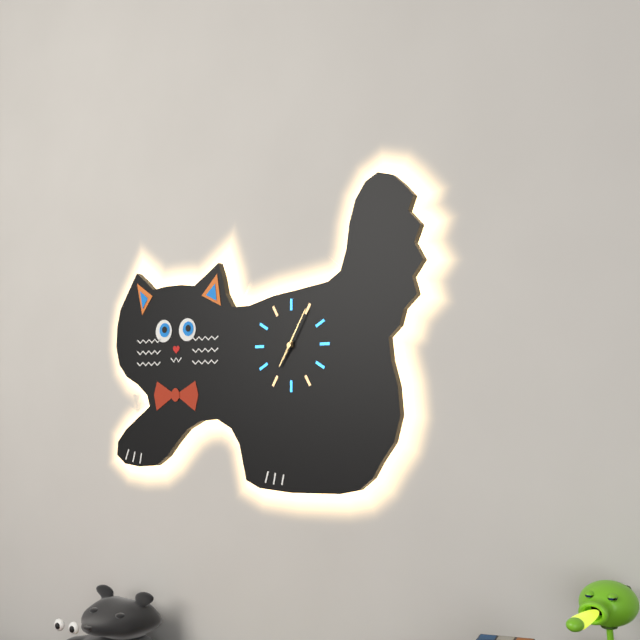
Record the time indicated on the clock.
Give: 7:05
